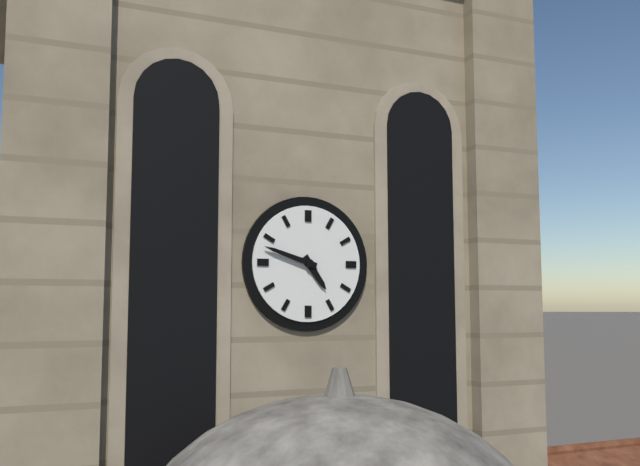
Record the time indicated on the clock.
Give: 4:48
